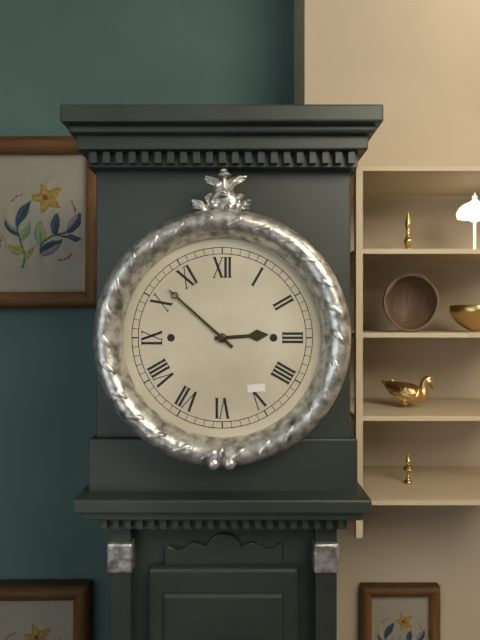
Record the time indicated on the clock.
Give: 2:52
